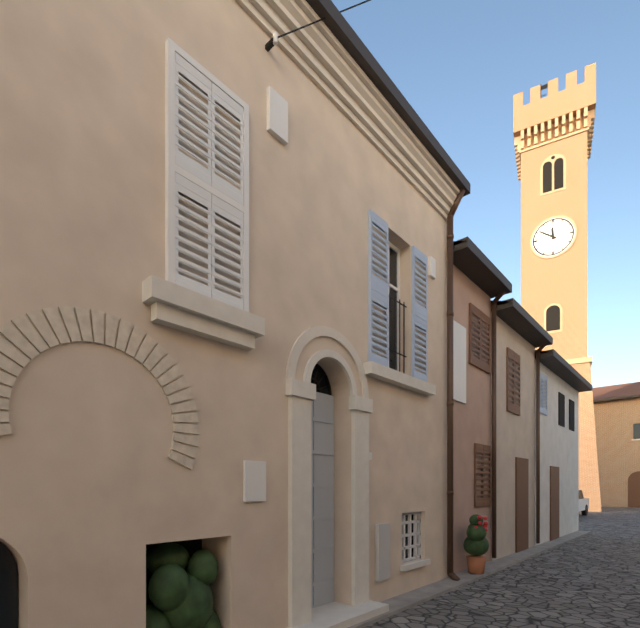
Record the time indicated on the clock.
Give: 11:51
